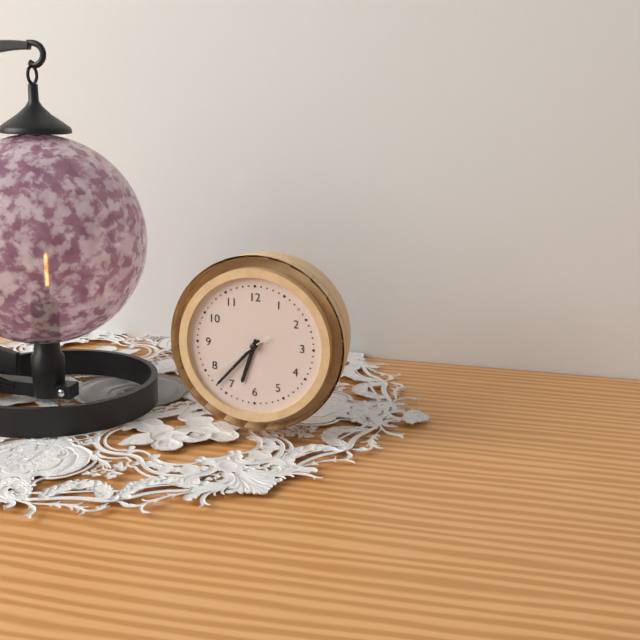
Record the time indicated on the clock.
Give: 6:37:39
